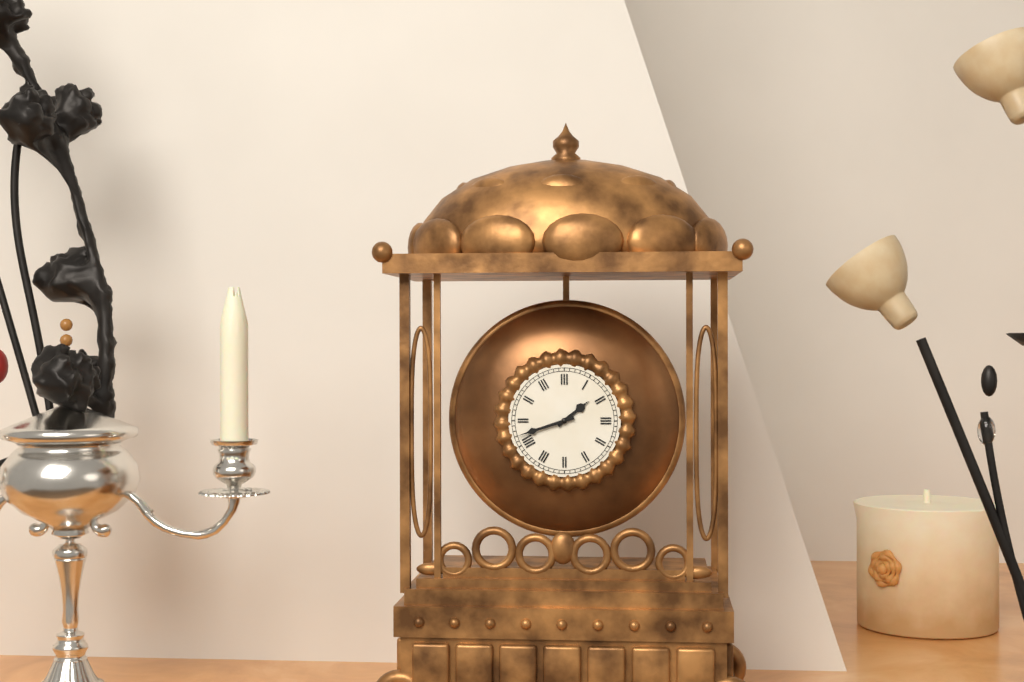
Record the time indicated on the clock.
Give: 1:42
